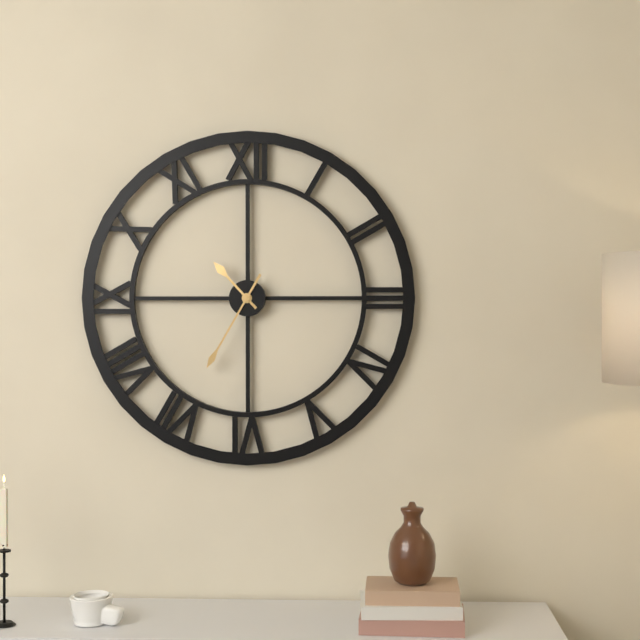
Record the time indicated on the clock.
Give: 10:35
